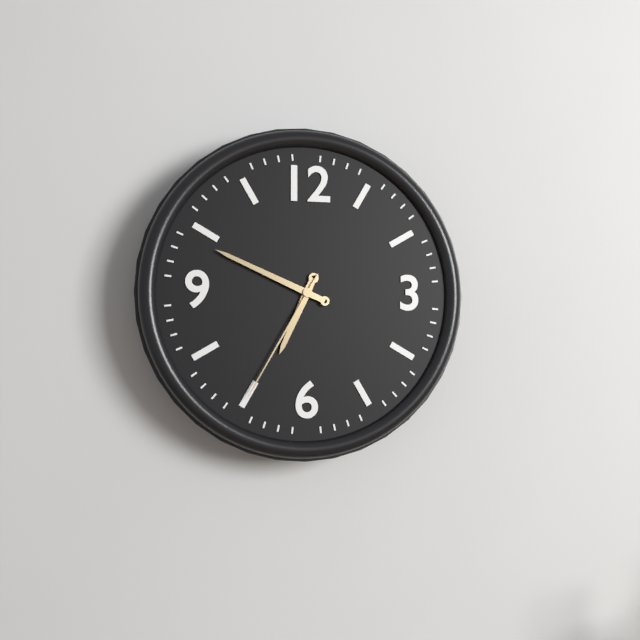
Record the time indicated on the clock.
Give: 6:49:35
